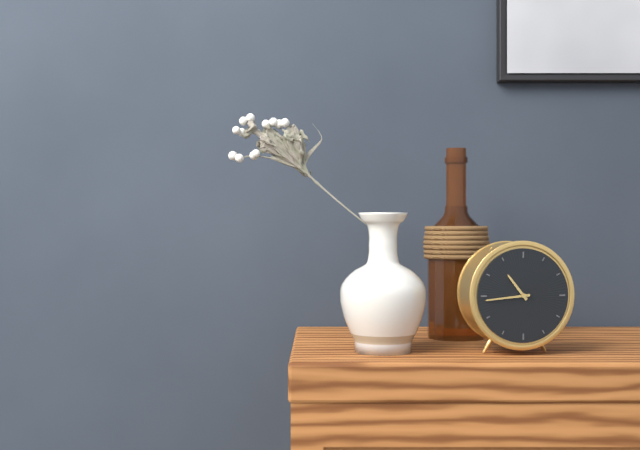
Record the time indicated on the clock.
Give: 10:44
